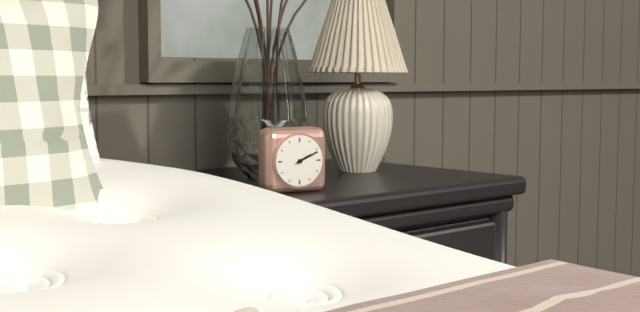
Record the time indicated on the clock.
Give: 2:11
